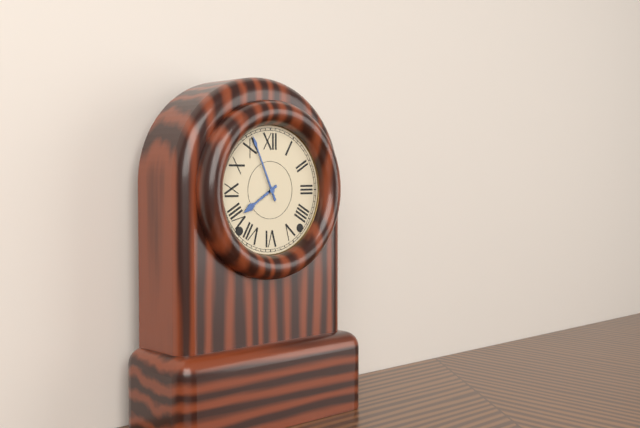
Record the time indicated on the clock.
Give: 7:56
